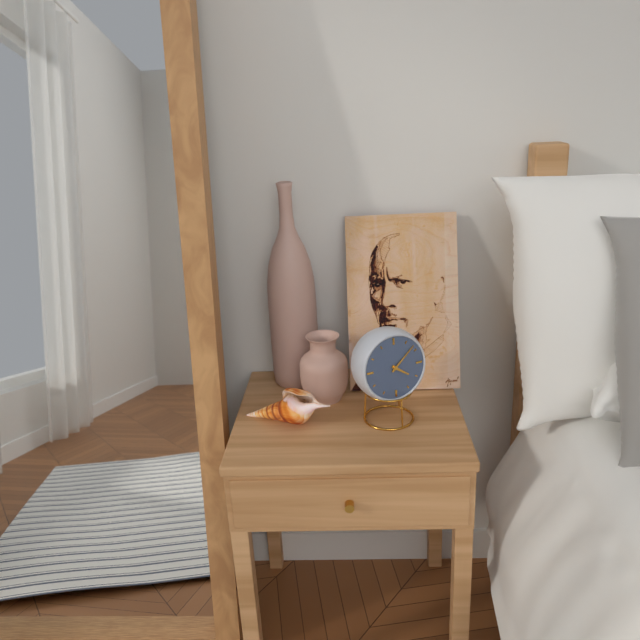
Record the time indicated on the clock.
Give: 4:08
